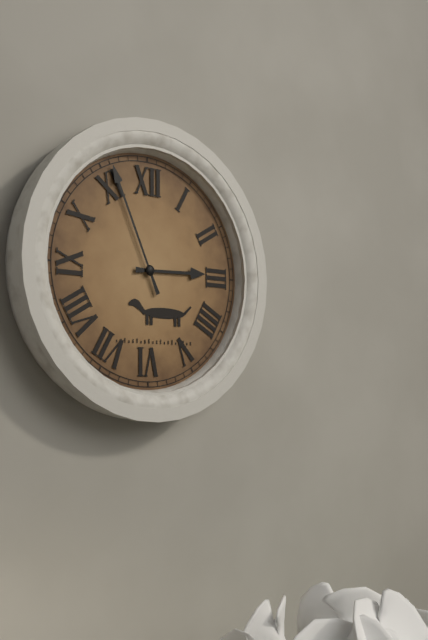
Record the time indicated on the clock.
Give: 2:56
